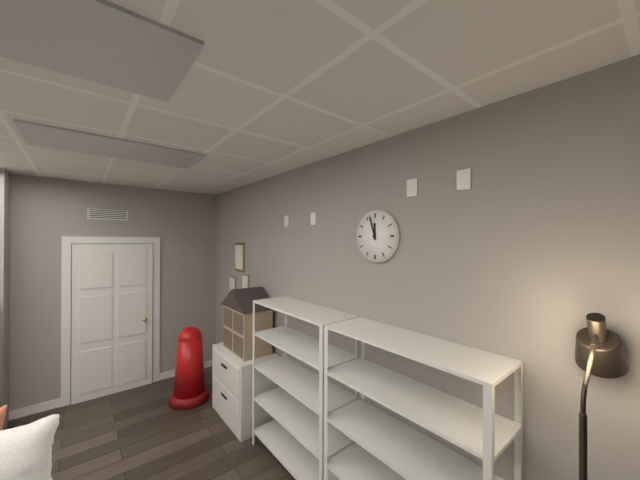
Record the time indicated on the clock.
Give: 11:57
